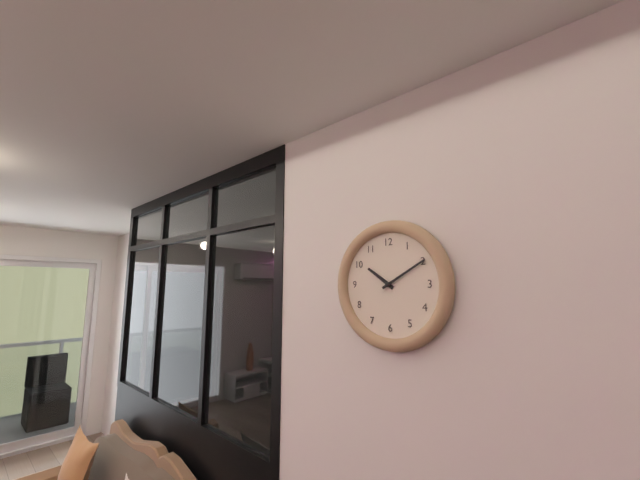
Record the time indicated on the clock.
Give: 10:10
